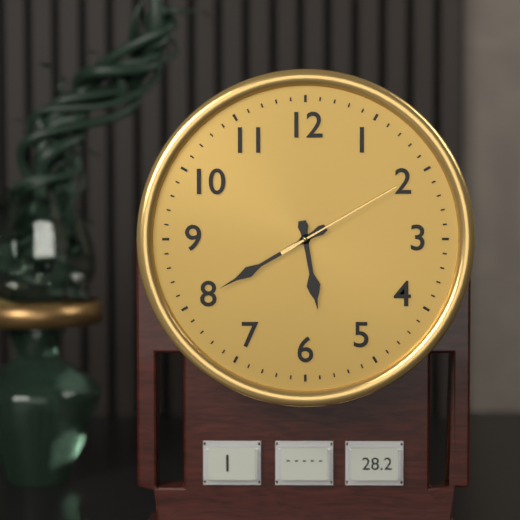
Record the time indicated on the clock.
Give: 5:40:10
